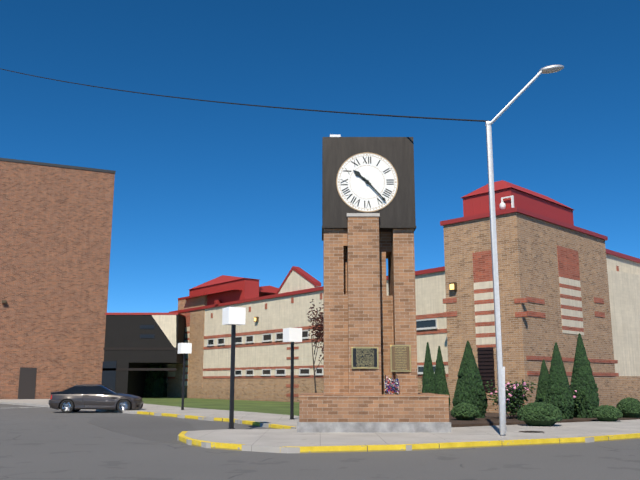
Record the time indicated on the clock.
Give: 10:23
